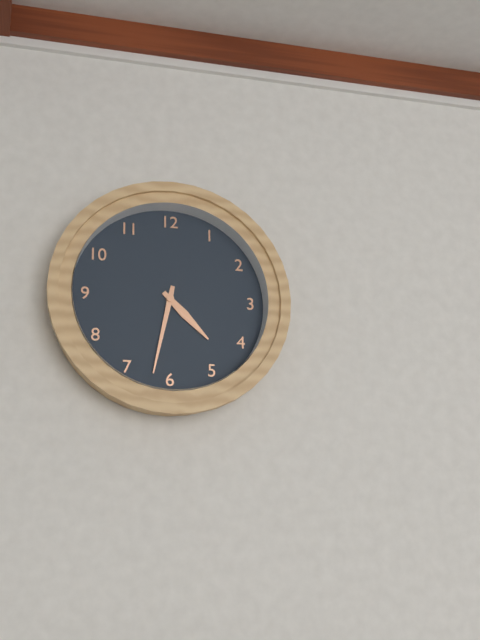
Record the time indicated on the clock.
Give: 4:32
